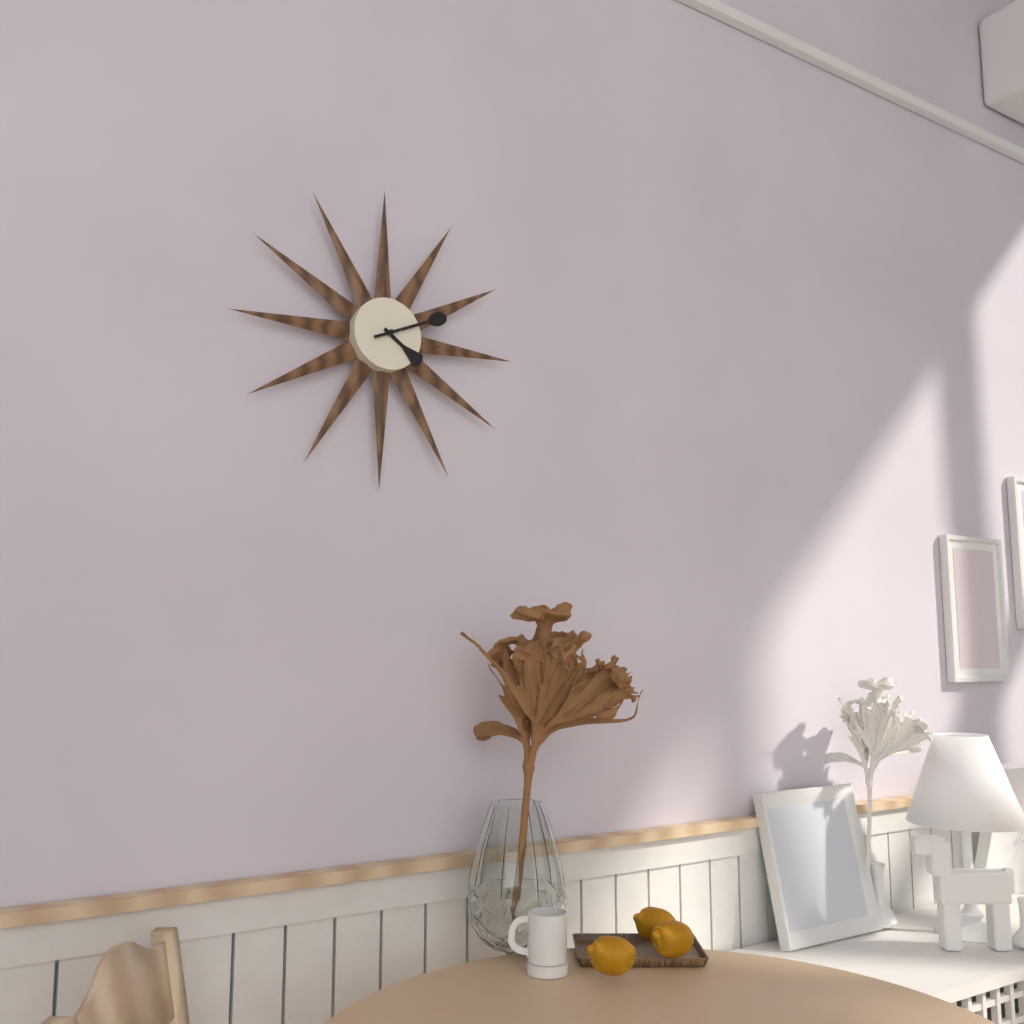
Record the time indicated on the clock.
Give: 4:11
